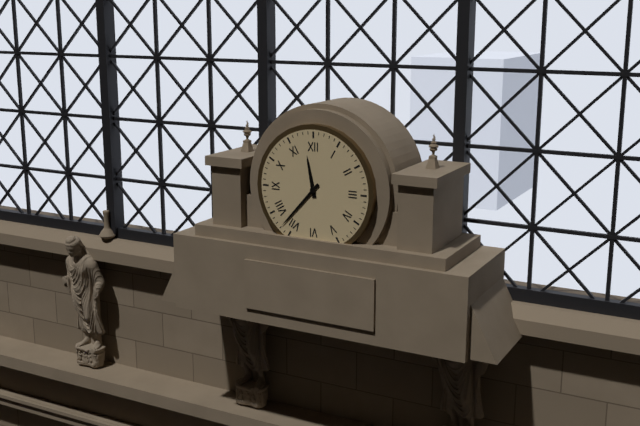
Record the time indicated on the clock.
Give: 11:37
